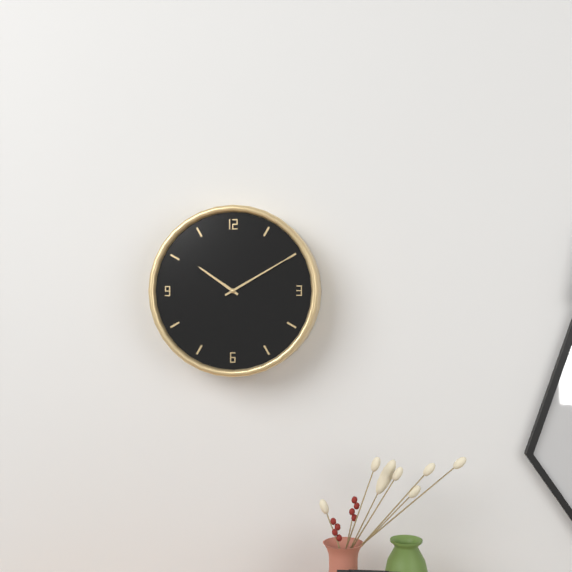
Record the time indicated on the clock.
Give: 10:10
